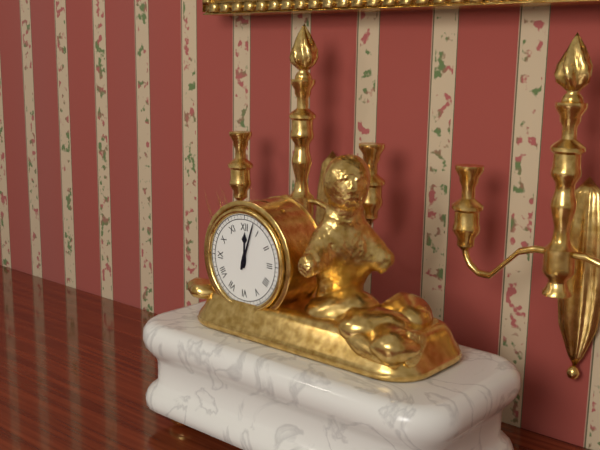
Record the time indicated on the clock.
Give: 12:03
